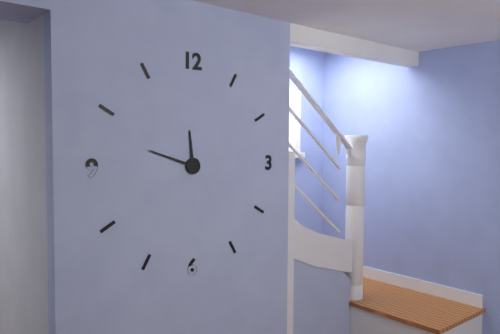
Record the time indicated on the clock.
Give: 11:48
